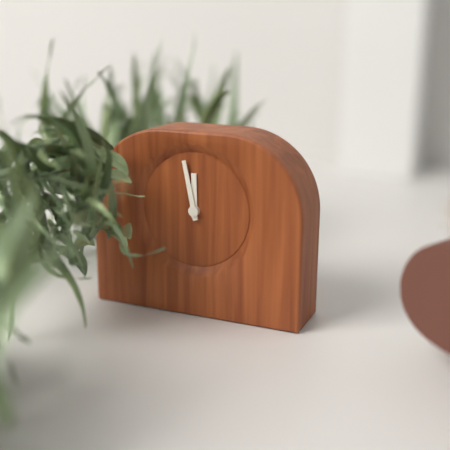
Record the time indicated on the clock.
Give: 11:58
